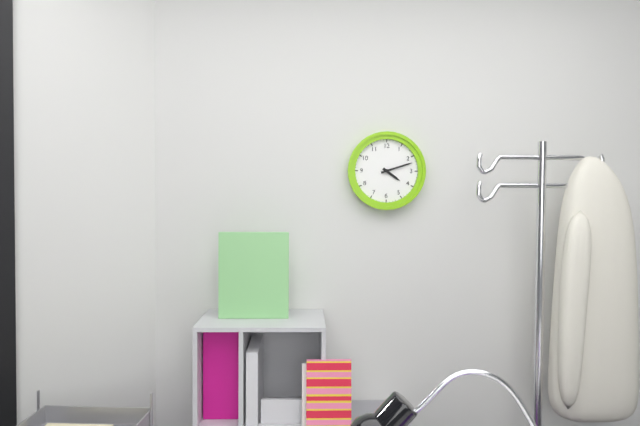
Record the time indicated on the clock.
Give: 4:12
